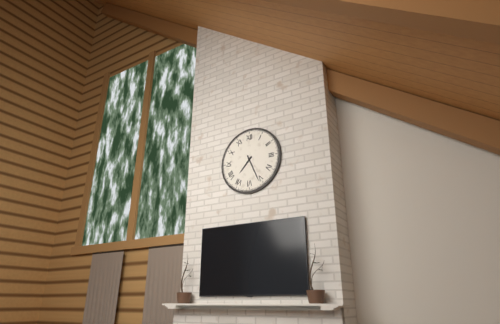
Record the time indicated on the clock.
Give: 7:26
